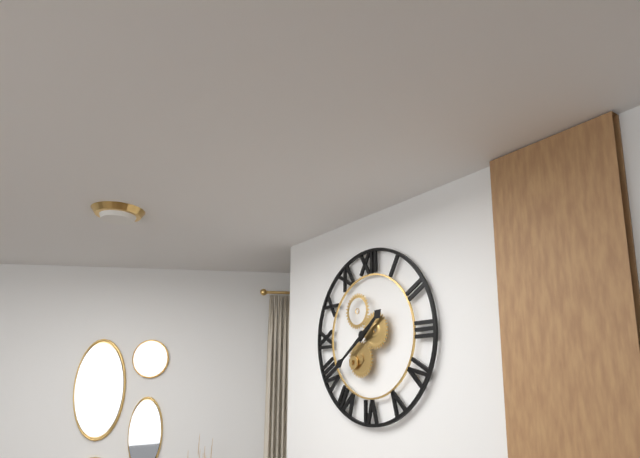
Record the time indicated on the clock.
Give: 1:39
